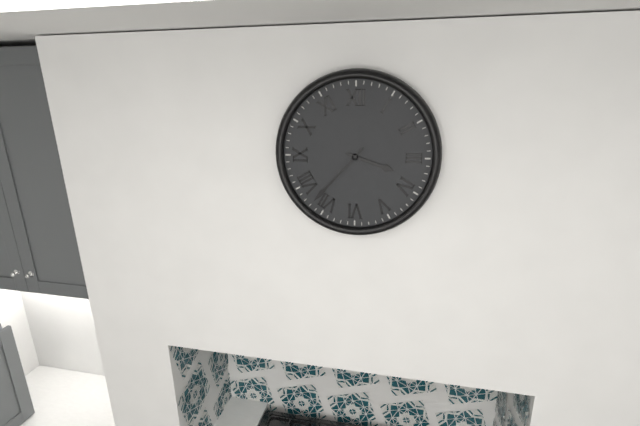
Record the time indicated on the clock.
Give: 3:37
